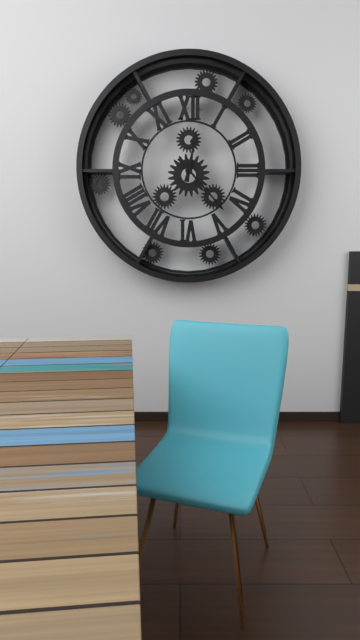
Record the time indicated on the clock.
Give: 12:23
